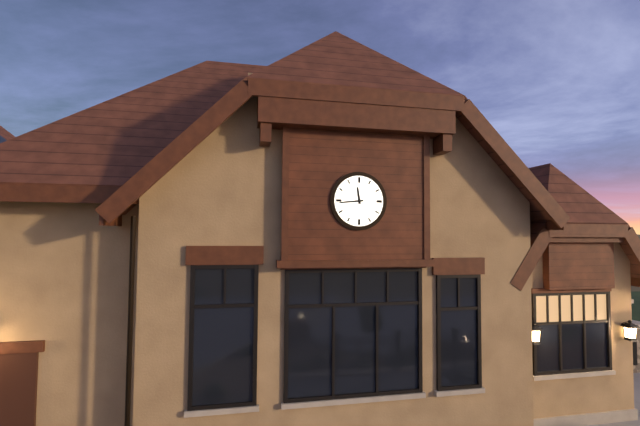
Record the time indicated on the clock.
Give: 11:44
